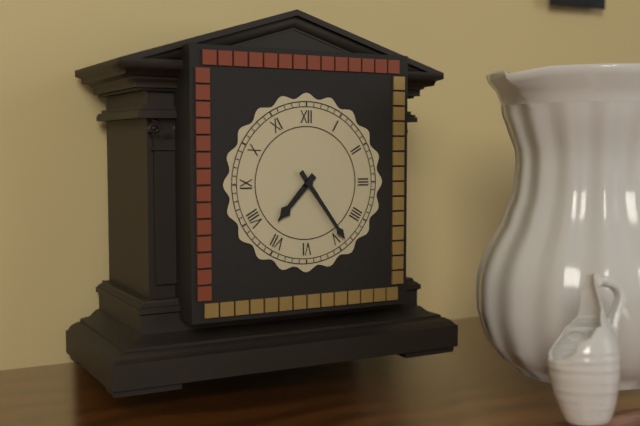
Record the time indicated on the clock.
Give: 7:24
